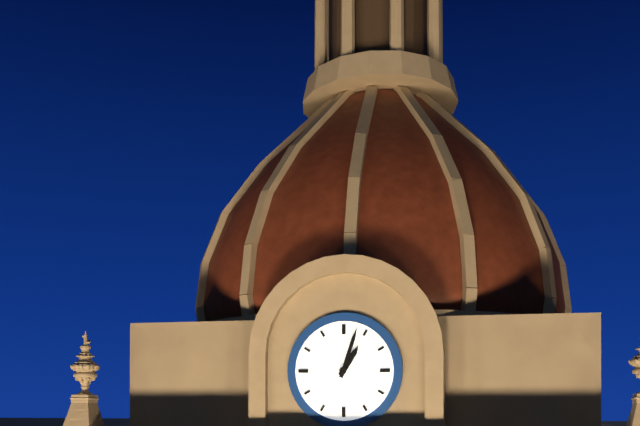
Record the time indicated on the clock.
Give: 1:03
